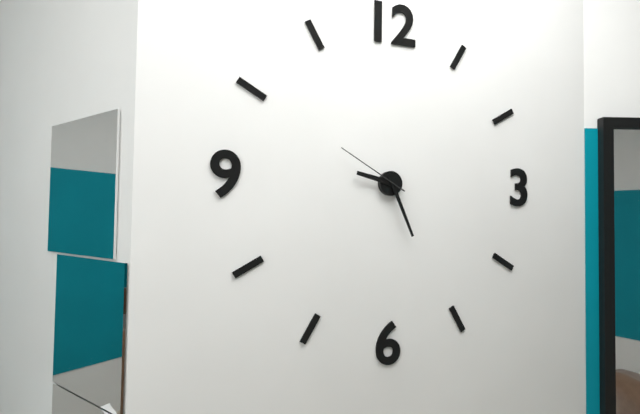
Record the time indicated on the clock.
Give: 9:26:50
